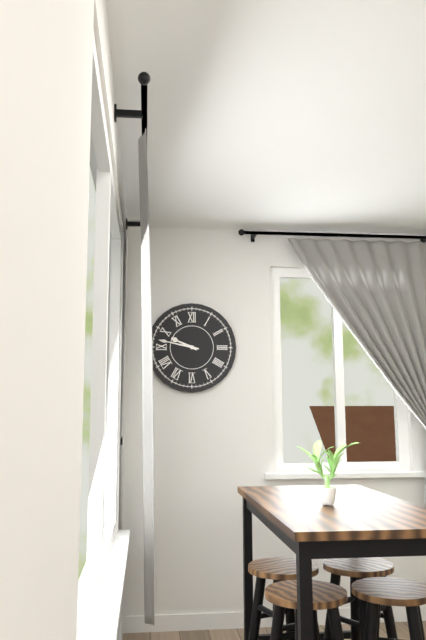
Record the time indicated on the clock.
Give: 9:47
